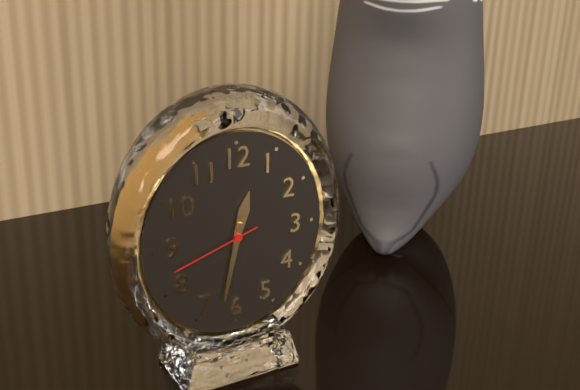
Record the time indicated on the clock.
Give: 12:32:42
